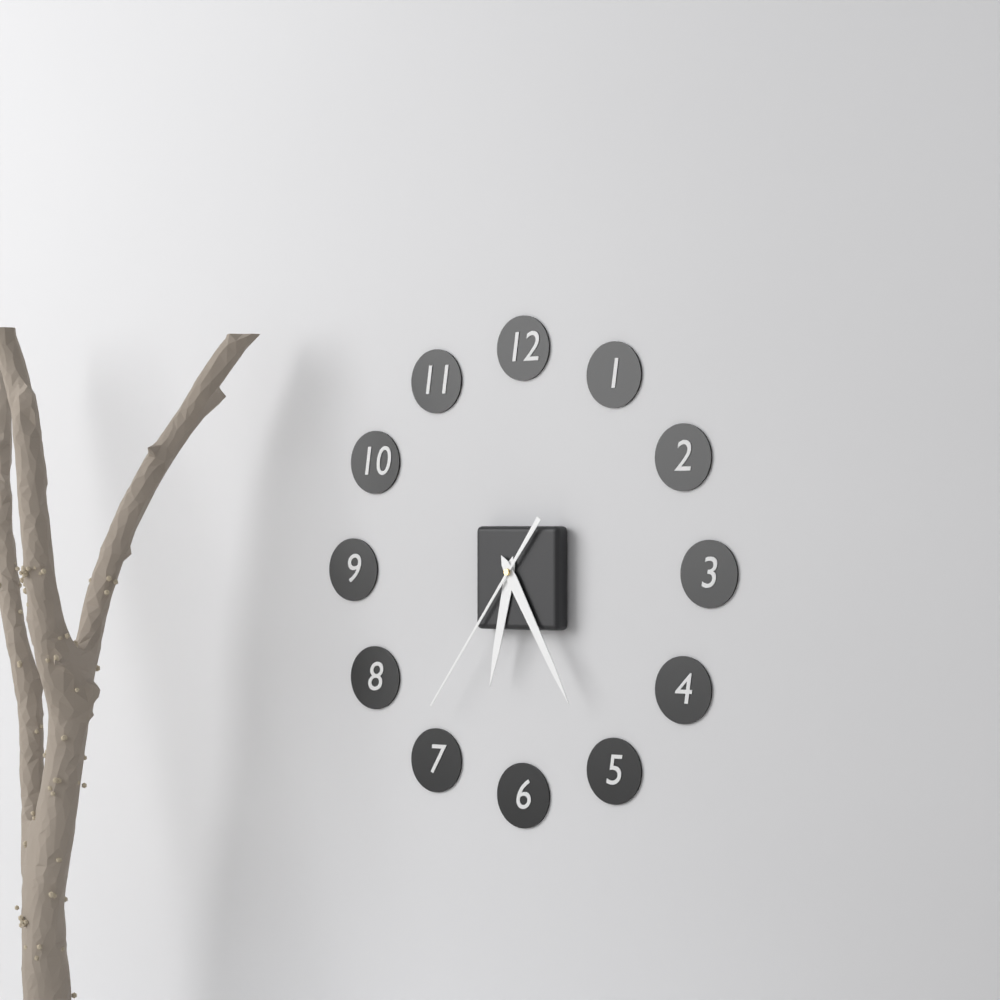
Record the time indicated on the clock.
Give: 6:25:36
